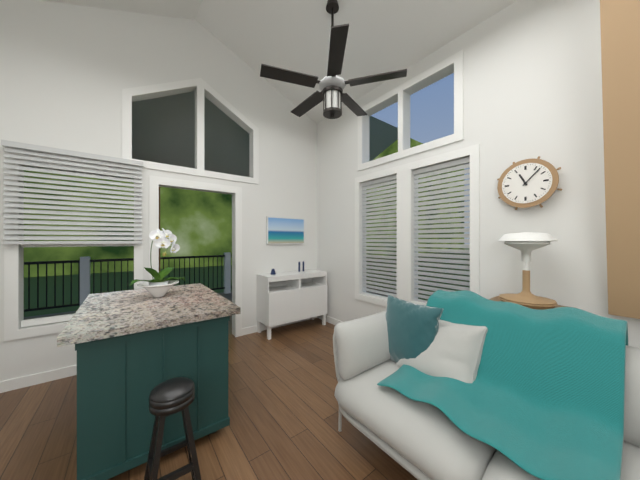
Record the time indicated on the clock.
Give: 11:07
